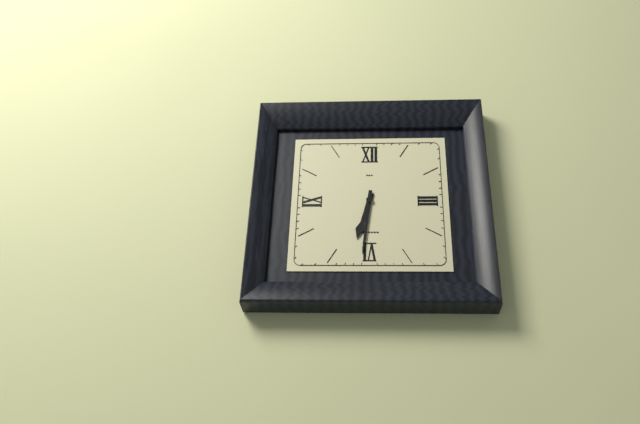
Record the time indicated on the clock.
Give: 6:31
